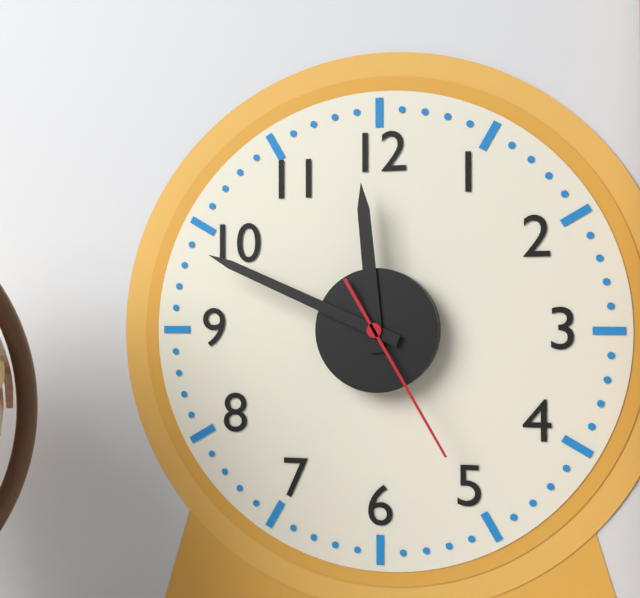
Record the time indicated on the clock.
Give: 11:49:25
